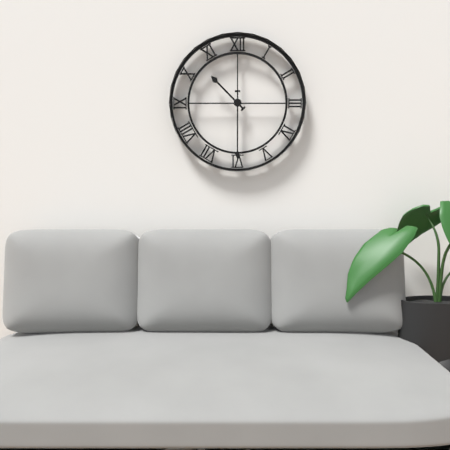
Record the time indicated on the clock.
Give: 10:30
